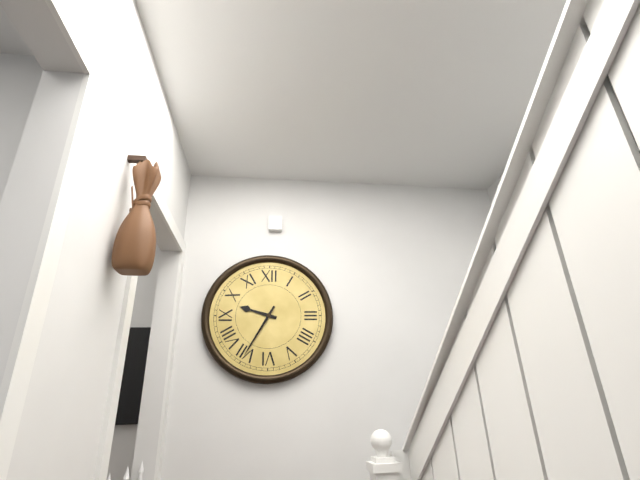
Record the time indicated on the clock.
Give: 9:35
